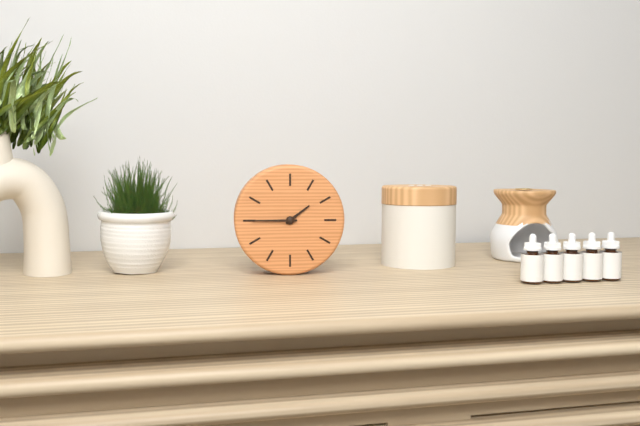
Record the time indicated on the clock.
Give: 1:45
